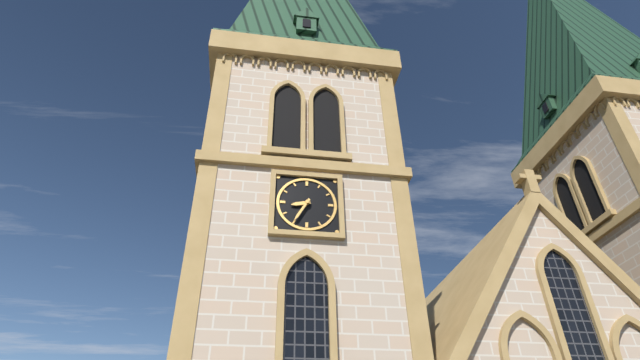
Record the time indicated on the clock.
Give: 8:35
